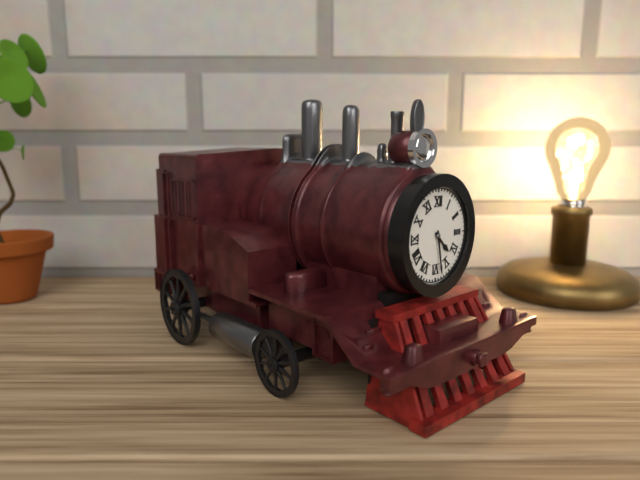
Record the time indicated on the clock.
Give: 4:28
